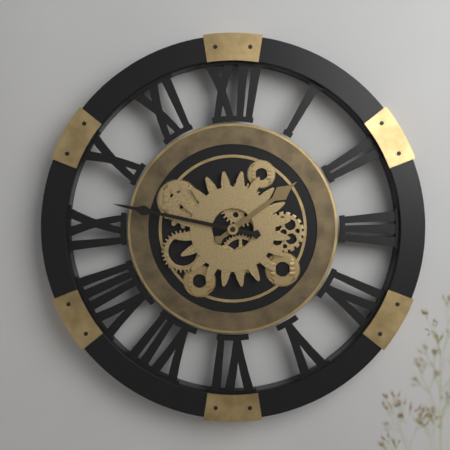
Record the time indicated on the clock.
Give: 1:47
